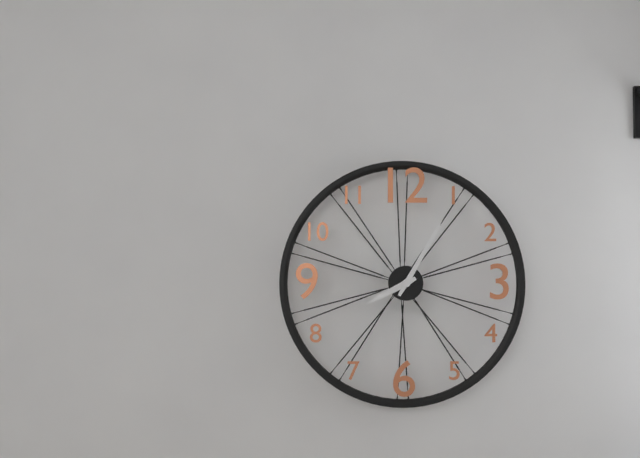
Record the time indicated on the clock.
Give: 8:05
